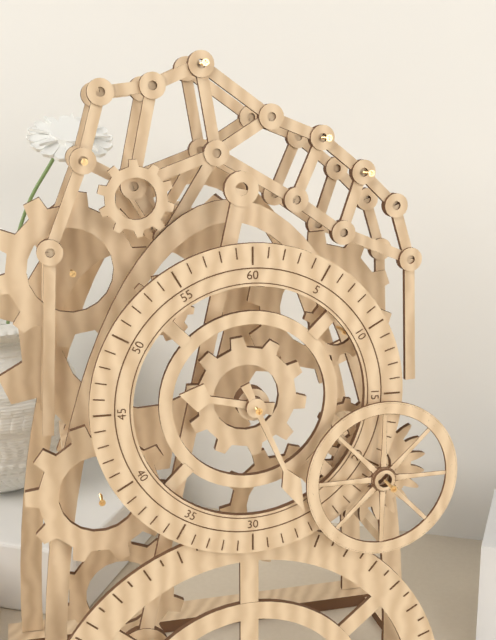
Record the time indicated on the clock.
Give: 9:26
